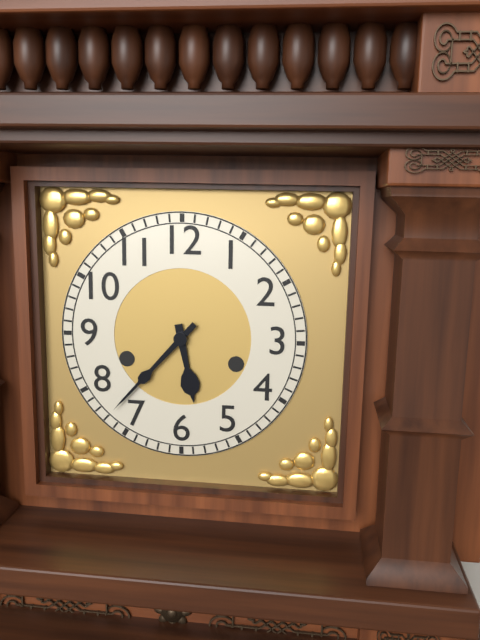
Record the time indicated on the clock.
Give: 5:37
